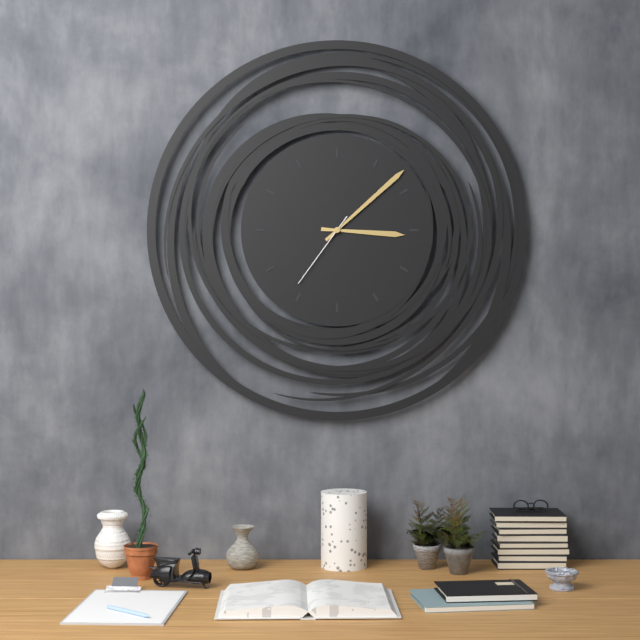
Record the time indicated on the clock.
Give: 3:08:36
